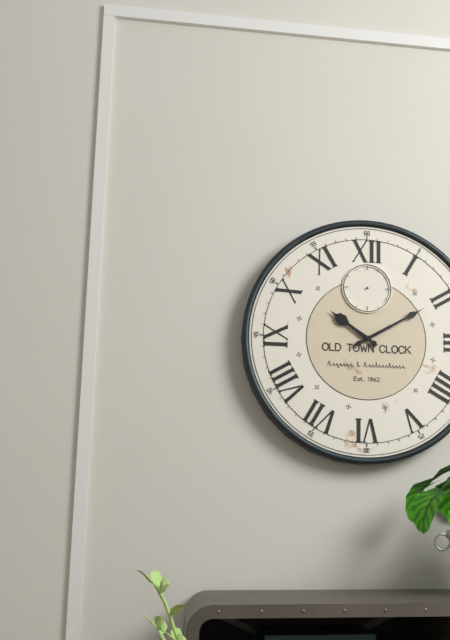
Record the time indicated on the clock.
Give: 10:10
